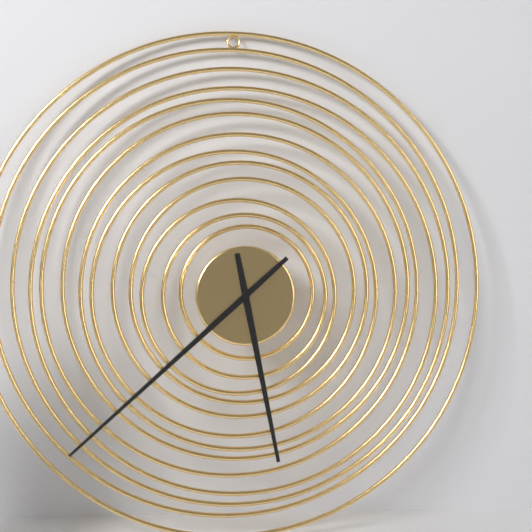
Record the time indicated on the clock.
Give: 5:38
